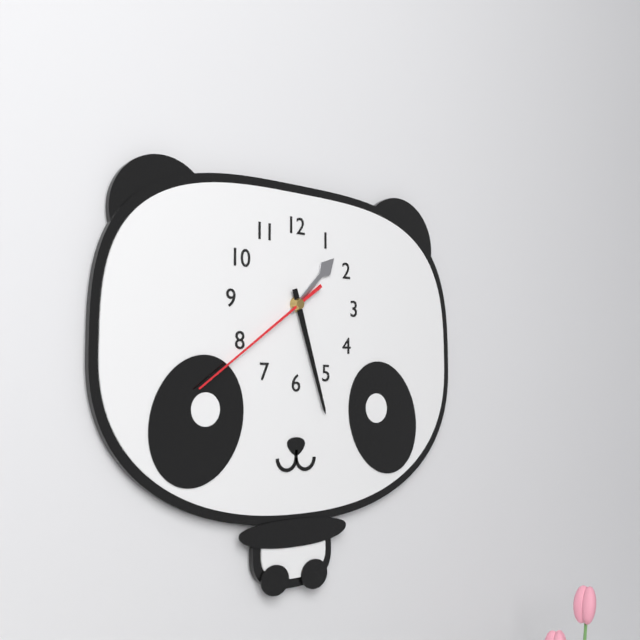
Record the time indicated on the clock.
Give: 1:27:39
